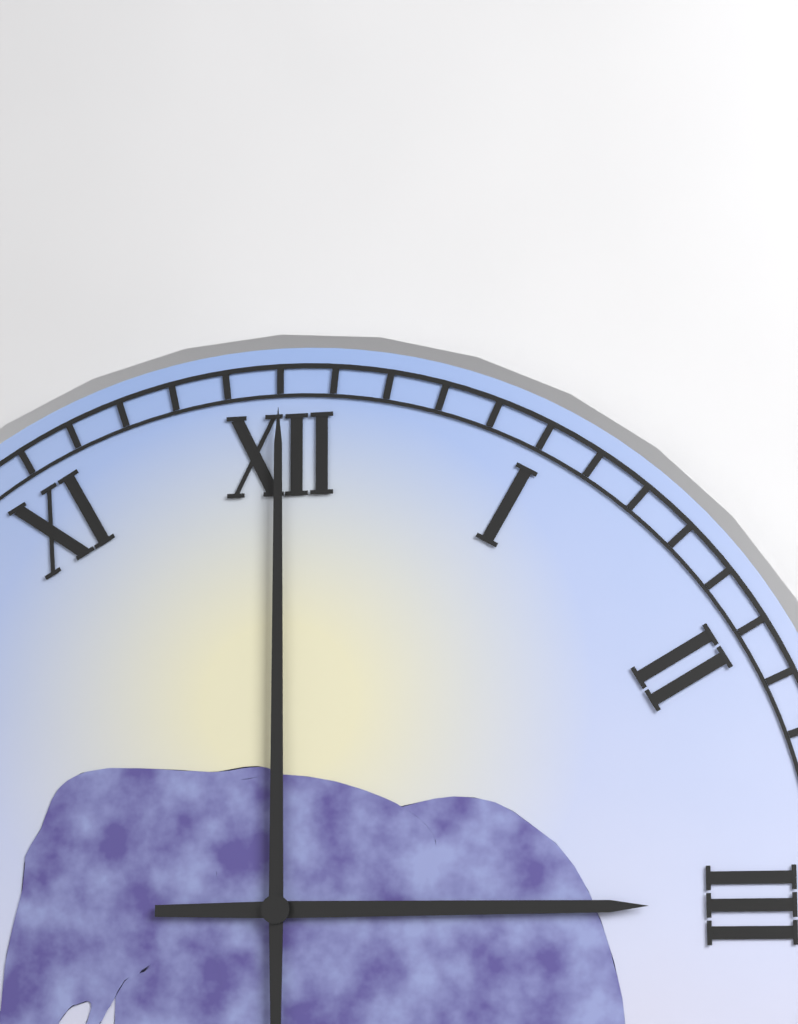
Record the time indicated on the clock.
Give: 3:00
